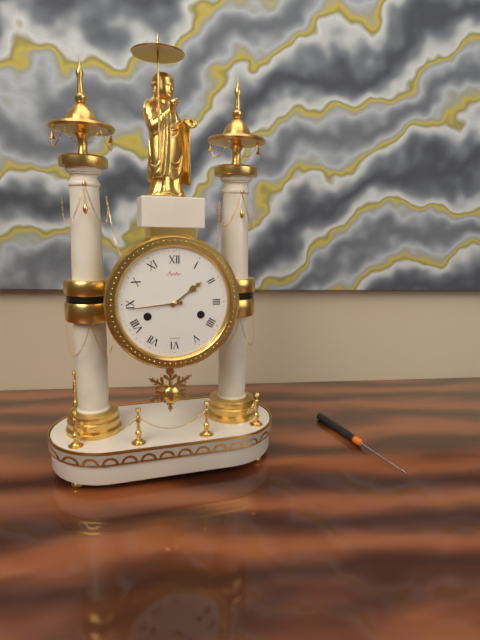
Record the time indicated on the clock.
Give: 1:44
